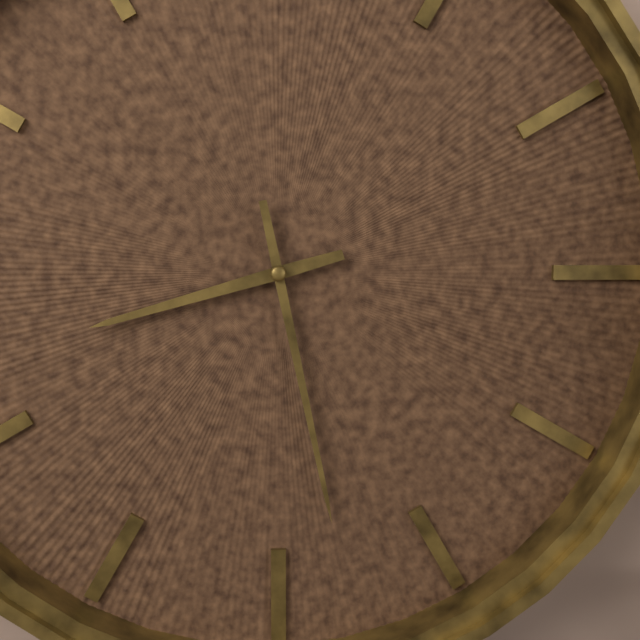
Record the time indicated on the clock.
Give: 8:28
